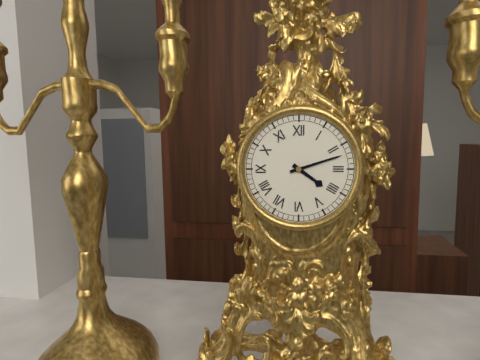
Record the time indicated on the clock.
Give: 4:12
